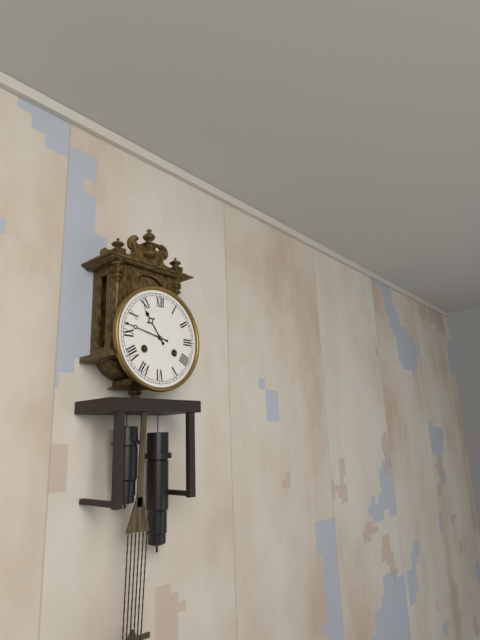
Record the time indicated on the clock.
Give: 10:47
